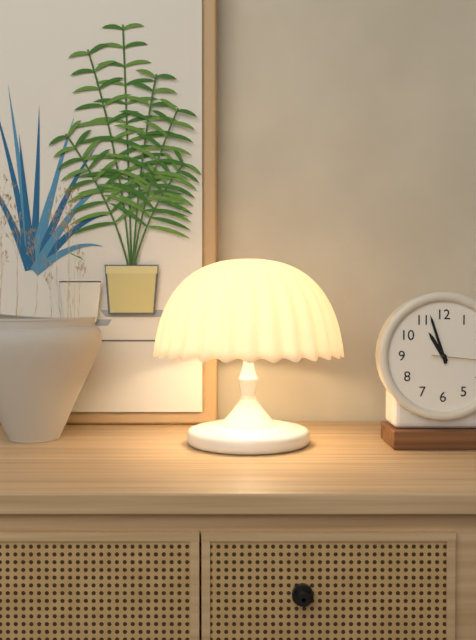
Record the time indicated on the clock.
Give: 10:57
